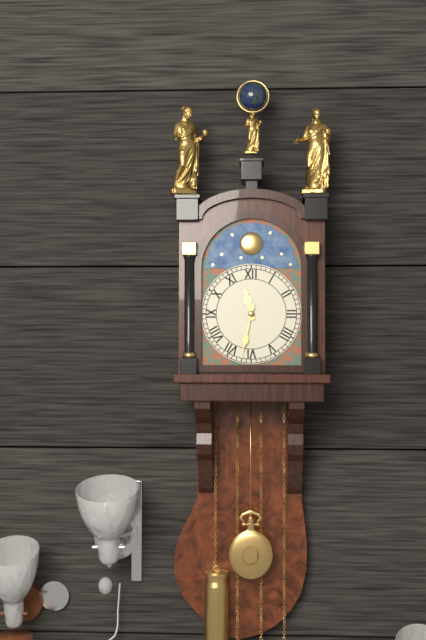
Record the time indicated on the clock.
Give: 11:32
